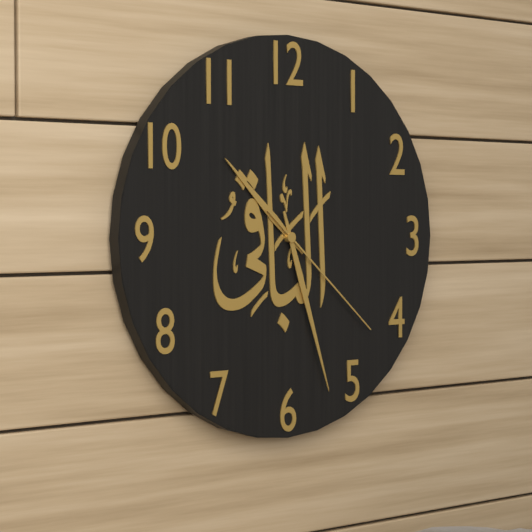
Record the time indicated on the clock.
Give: 10:27:22
